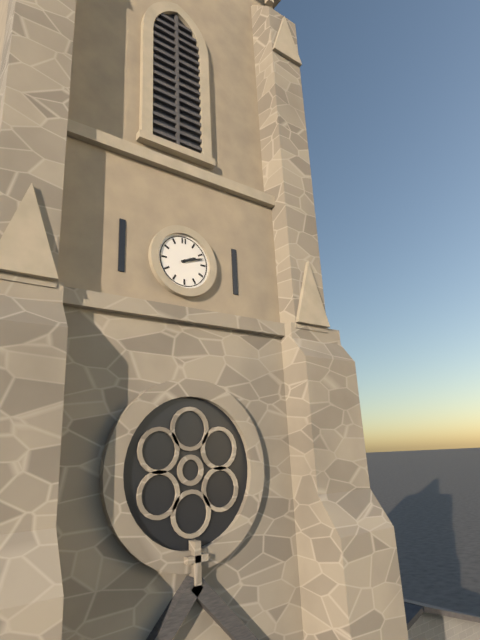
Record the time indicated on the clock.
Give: 2:12
